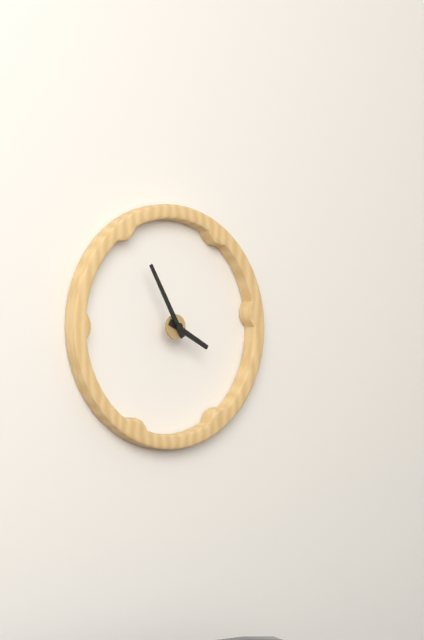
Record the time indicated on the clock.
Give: 3:55
